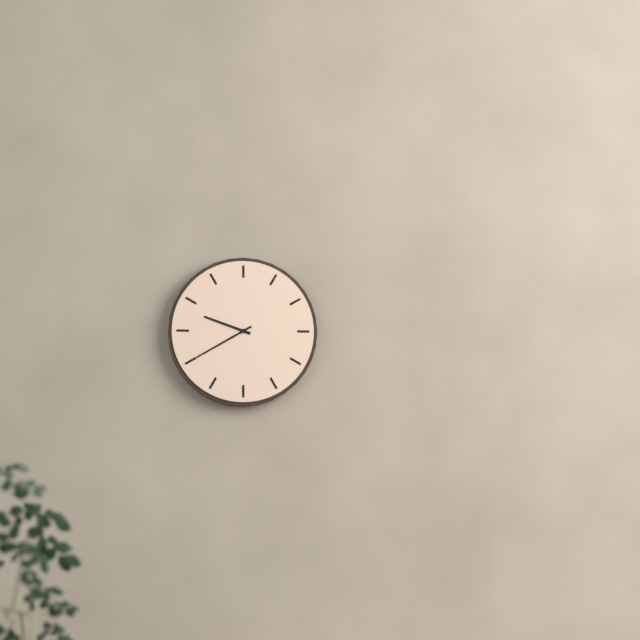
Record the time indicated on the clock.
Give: 9:40
